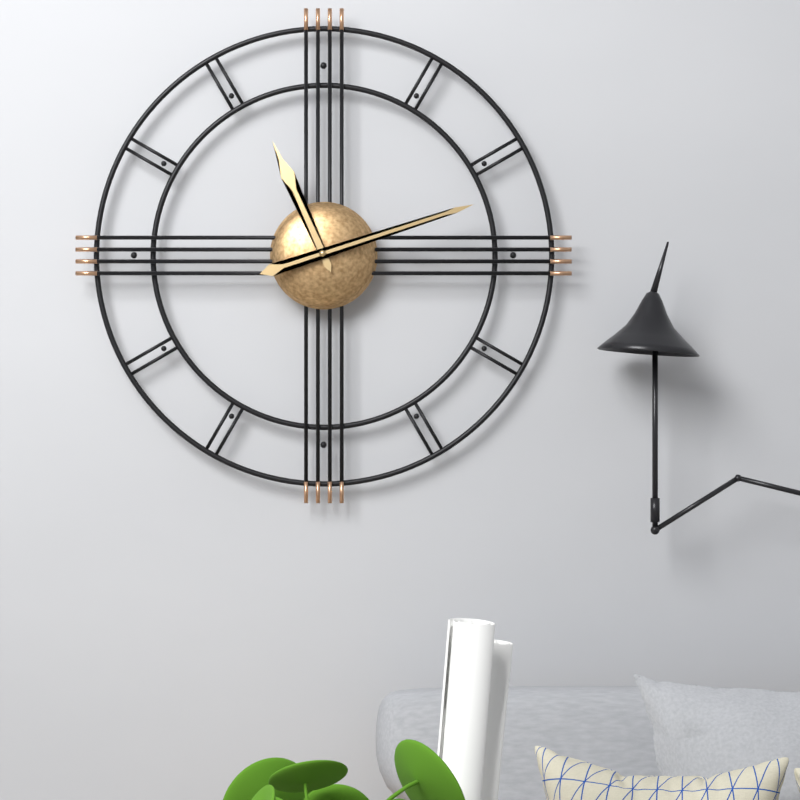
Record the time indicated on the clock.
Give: 11:12
